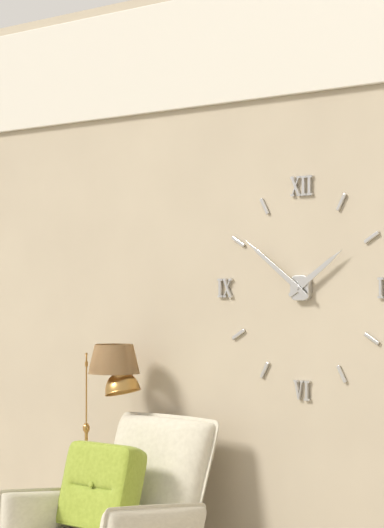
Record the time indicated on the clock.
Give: 1:51
